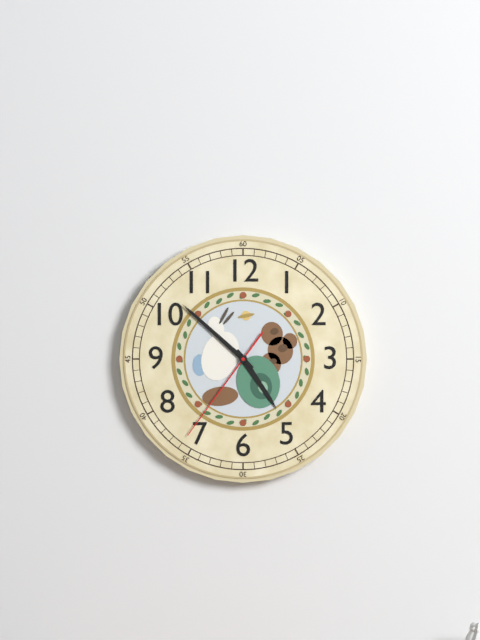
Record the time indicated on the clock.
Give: 4:52:36
